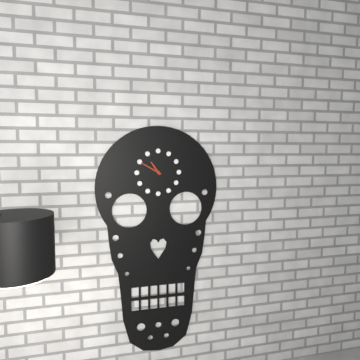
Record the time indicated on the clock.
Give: 10:50
